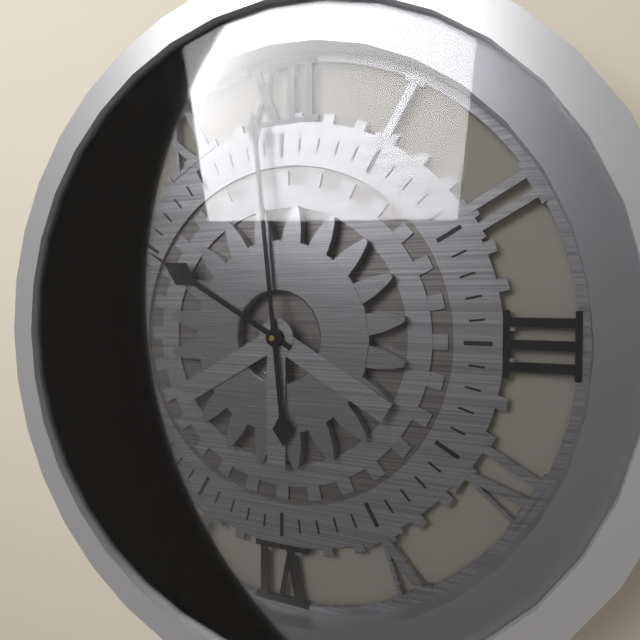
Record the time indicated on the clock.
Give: 9:59
